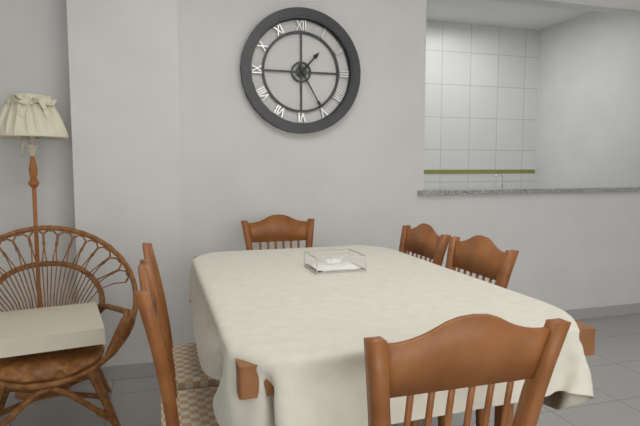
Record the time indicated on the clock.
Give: 1:25
